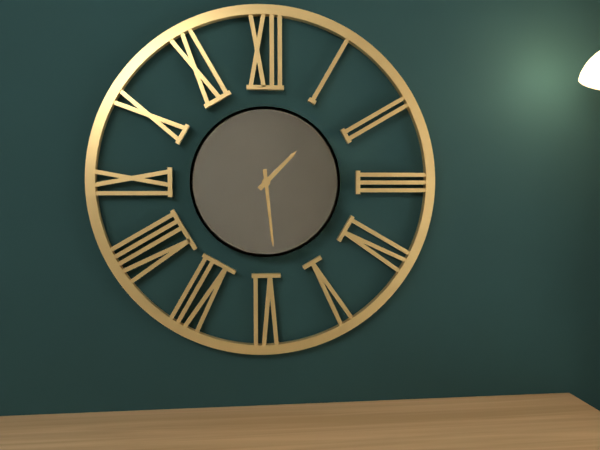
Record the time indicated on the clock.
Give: 1:29
